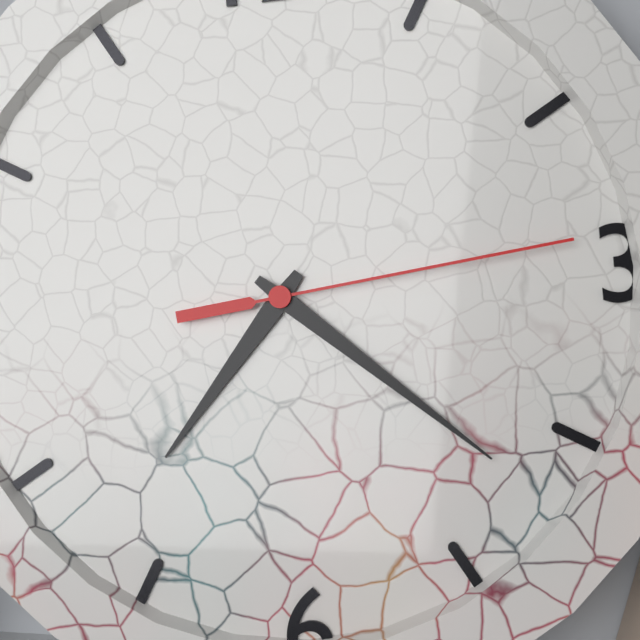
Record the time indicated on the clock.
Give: 7:22:14
